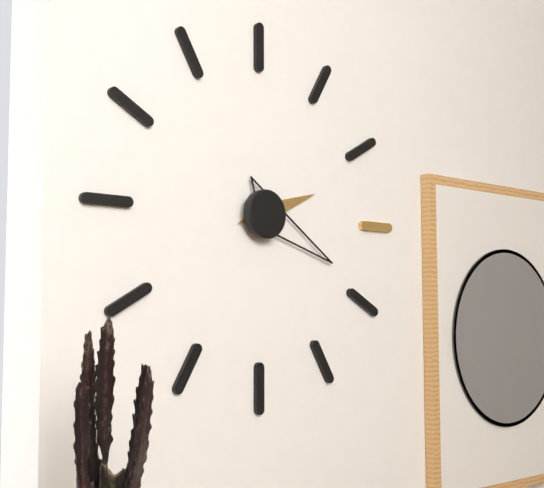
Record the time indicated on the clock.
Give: 2:19
